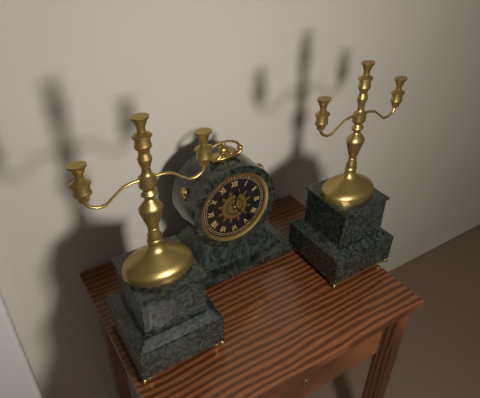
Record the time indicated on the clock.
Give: 12:23
